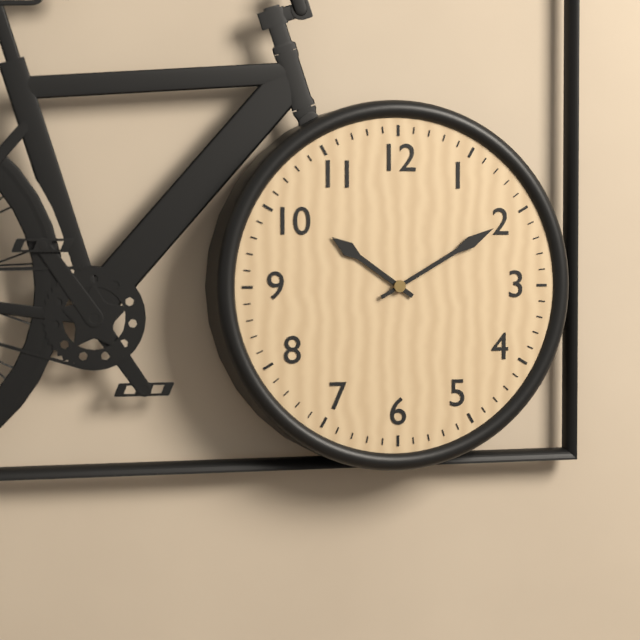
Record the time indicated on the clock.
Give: 10:10
